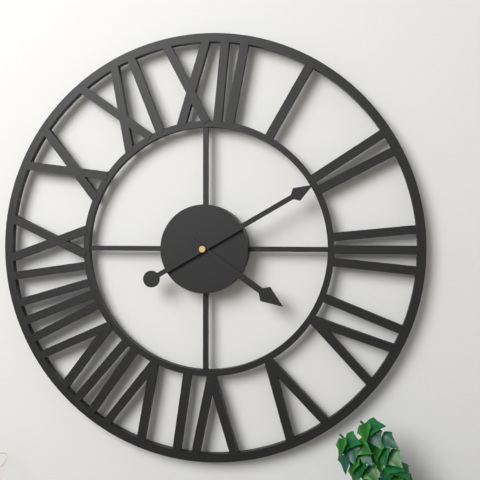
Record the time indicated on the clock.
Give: 4:10
